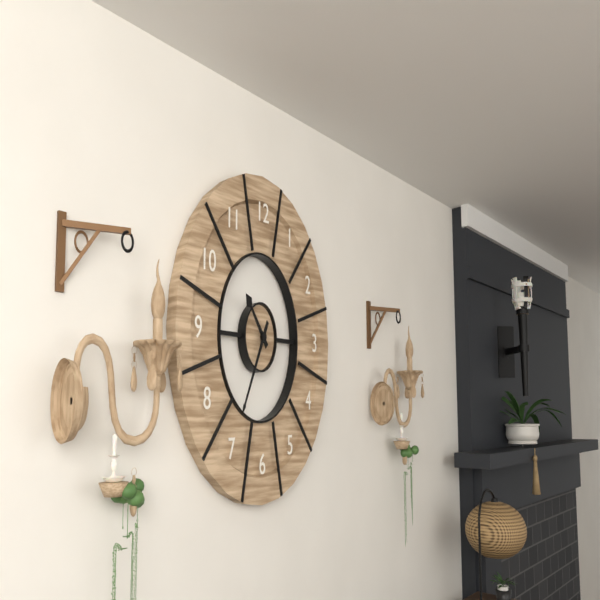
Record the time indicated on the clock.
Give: 10:35
